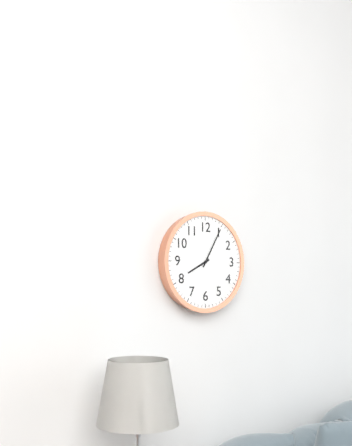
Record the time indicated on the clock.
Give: 8:05
